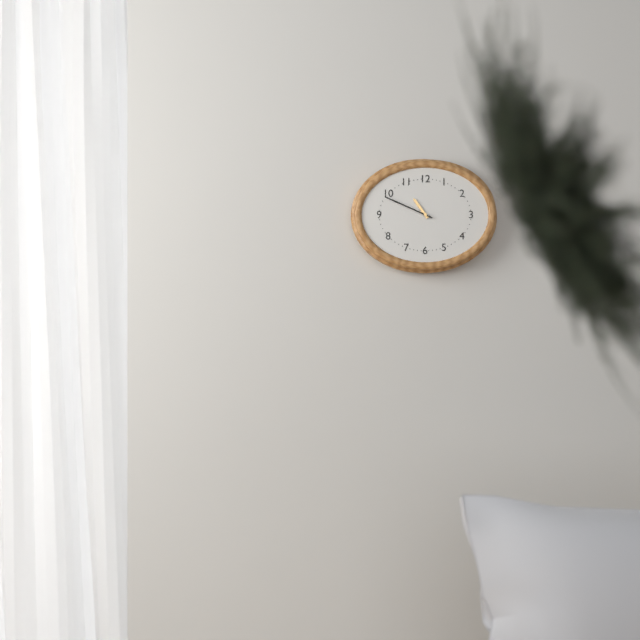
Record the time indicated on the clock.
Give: 10:49
